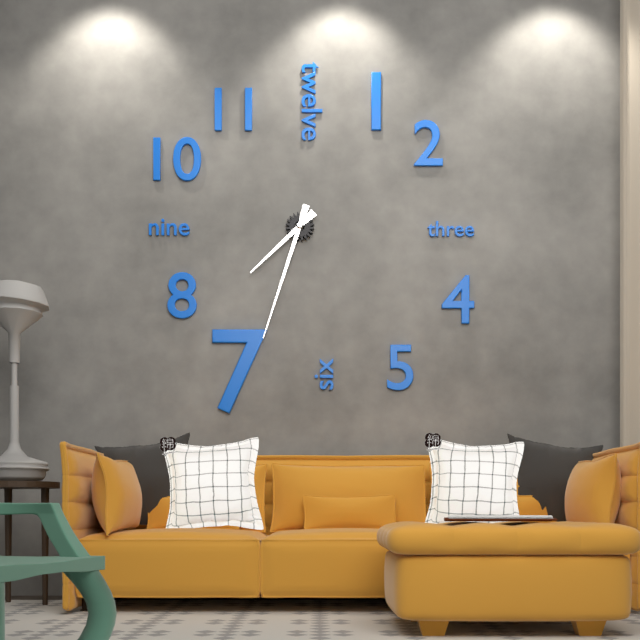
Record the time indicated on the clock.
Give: 7:33
